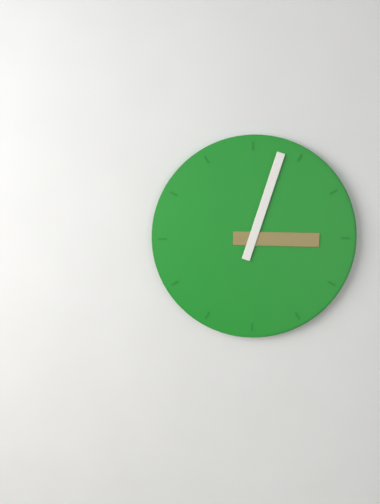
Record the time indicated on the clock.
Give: 3:03
